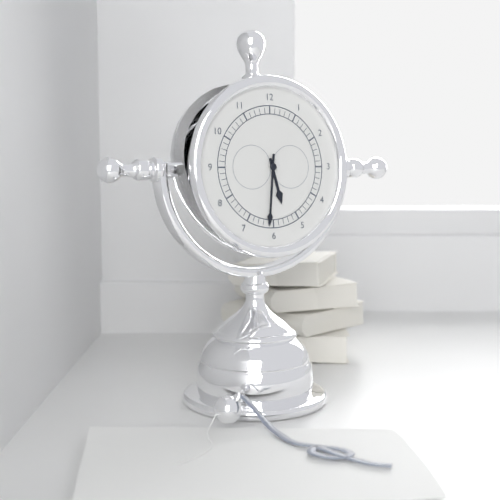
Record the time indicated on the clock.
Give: 5:31
